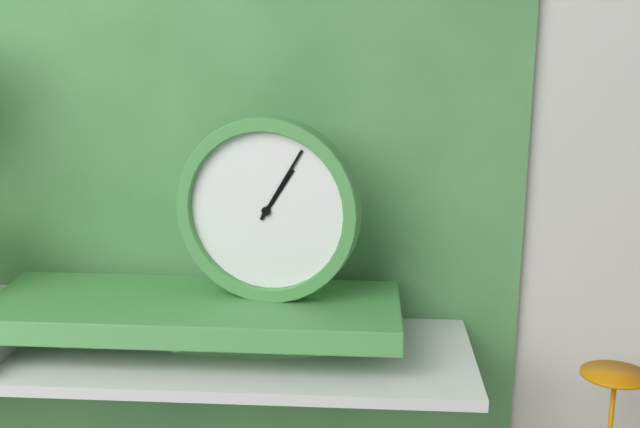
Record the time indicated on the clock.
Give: 1:05
